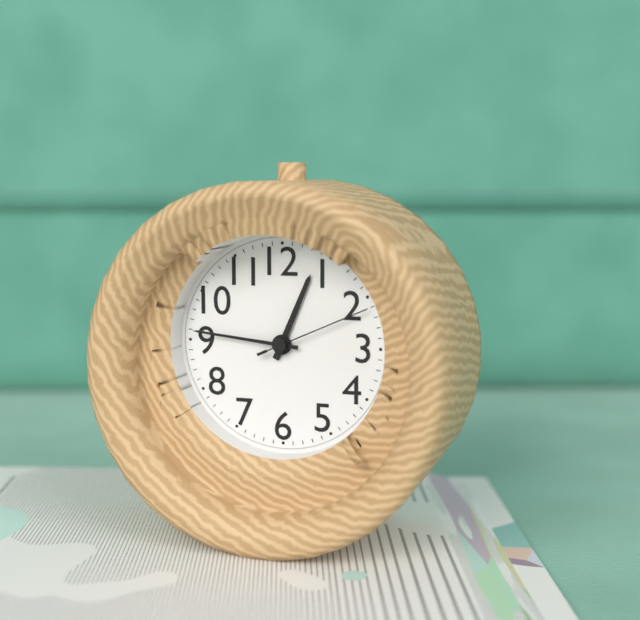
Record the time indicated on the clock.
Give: 12:46:11
